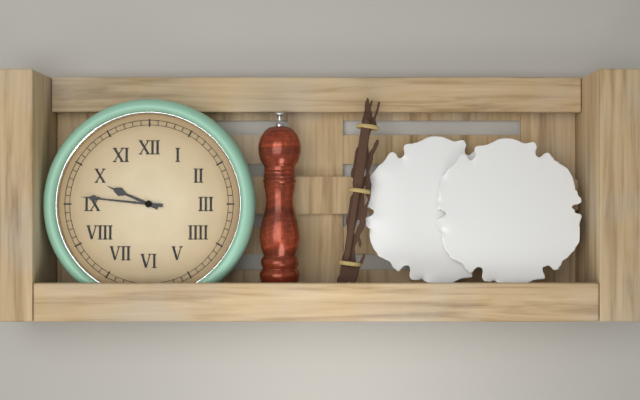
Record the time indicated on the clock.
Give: 9:46
